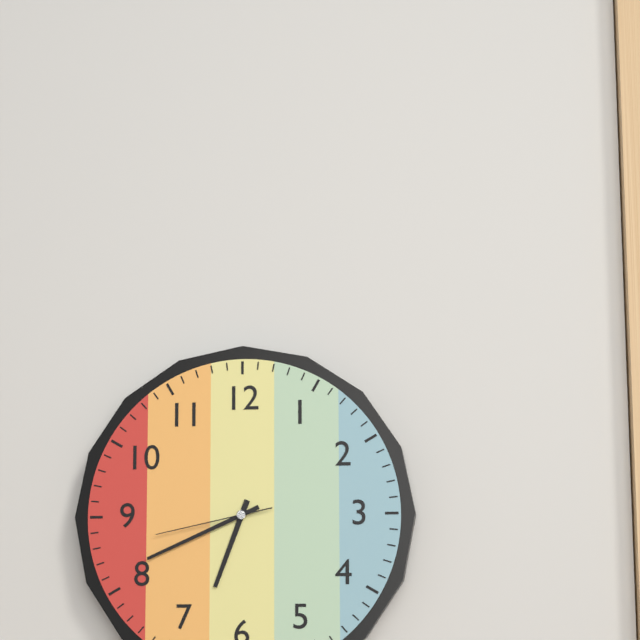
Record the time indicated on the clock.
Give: 6:41:43
